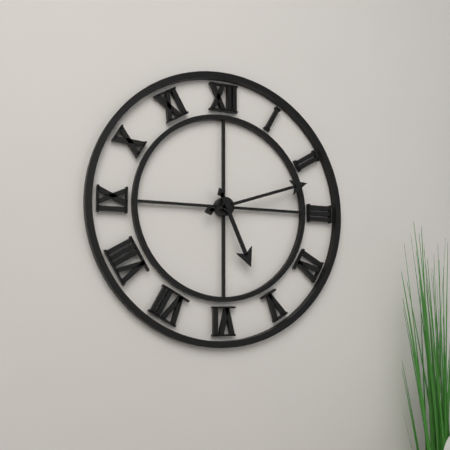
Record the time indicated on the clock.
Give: 5:12
